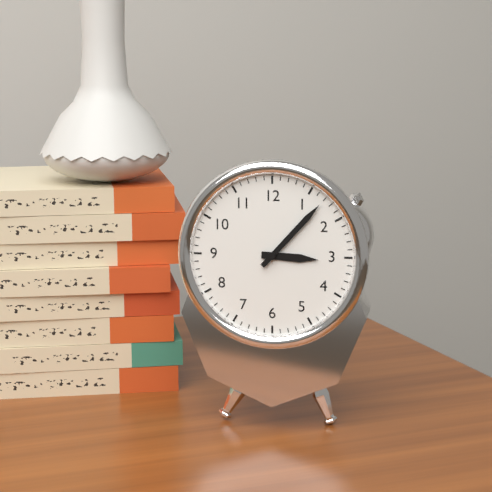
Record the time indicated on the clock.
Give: 3:07
